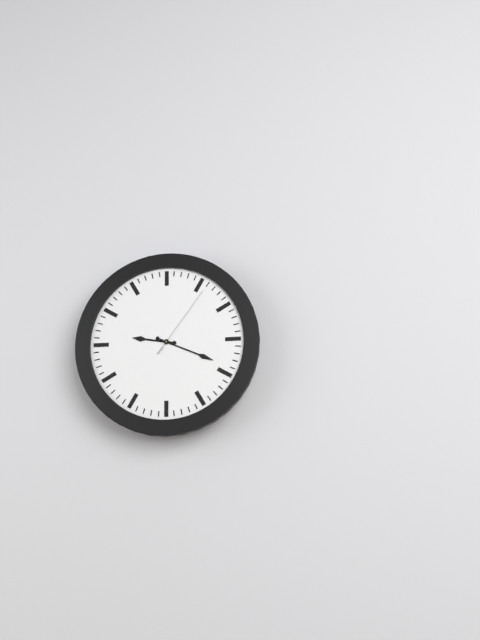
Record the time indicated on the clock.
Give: 9:19:06
